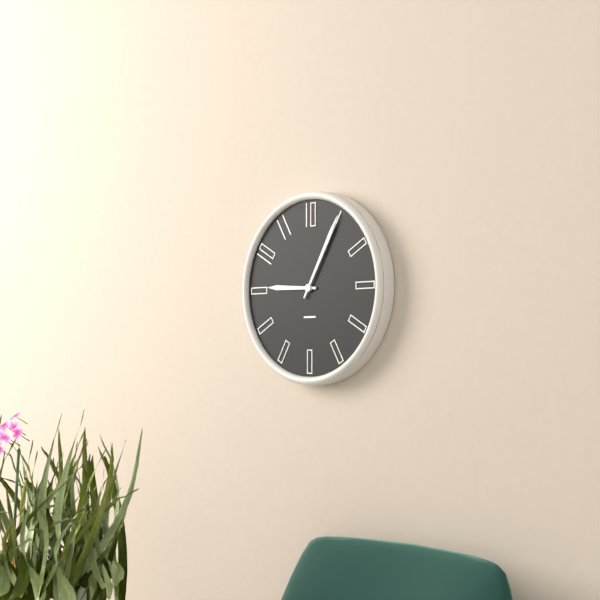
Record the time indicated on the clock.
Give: 9:05
